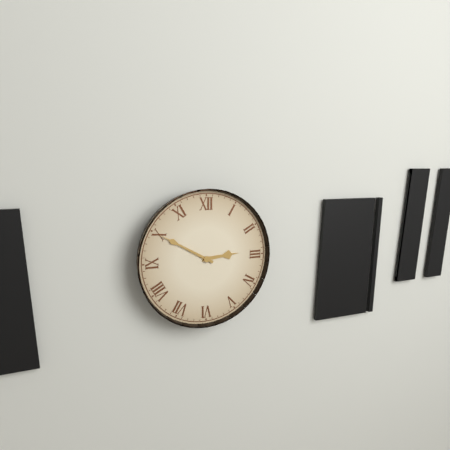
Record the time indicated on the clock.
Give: 2:50
